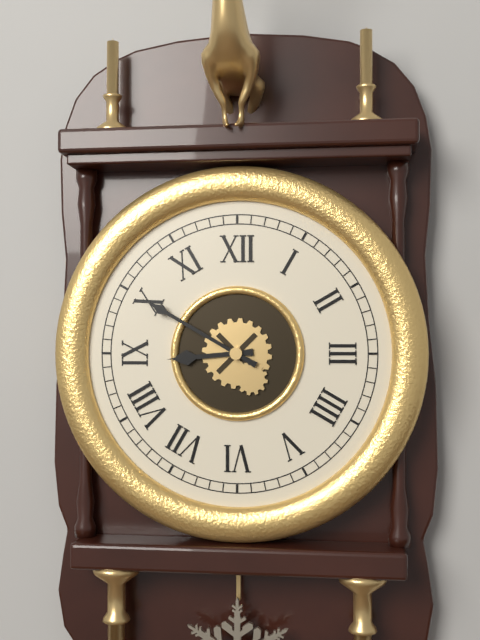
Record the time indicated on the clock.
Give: 8:50
